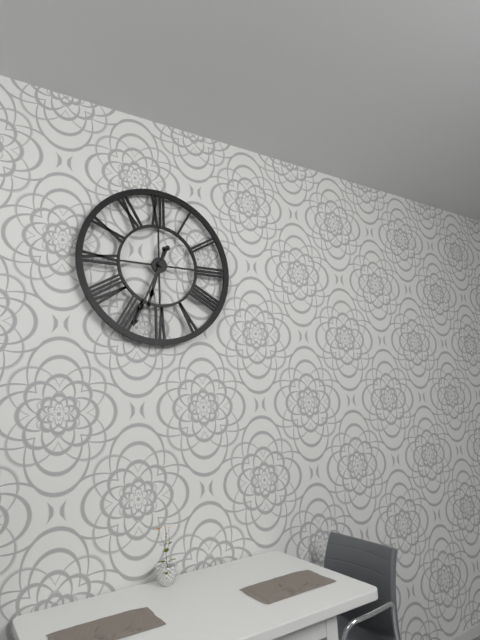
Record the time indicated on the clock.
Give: 6:34
